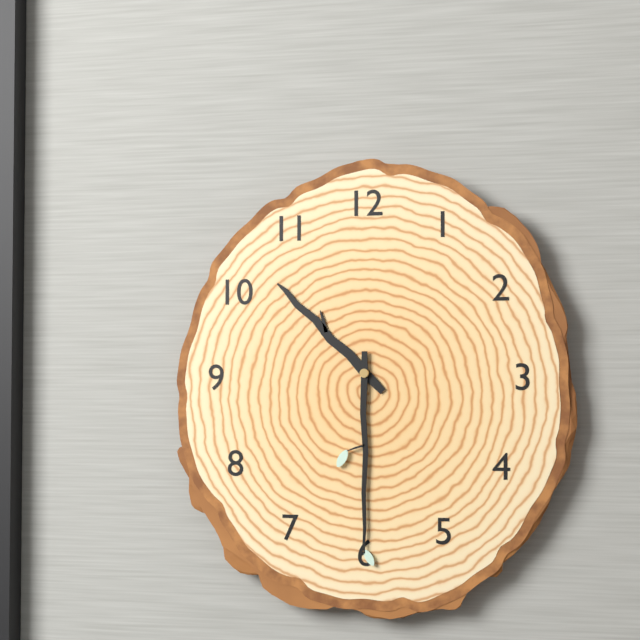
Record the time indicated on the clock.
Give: 10:30
